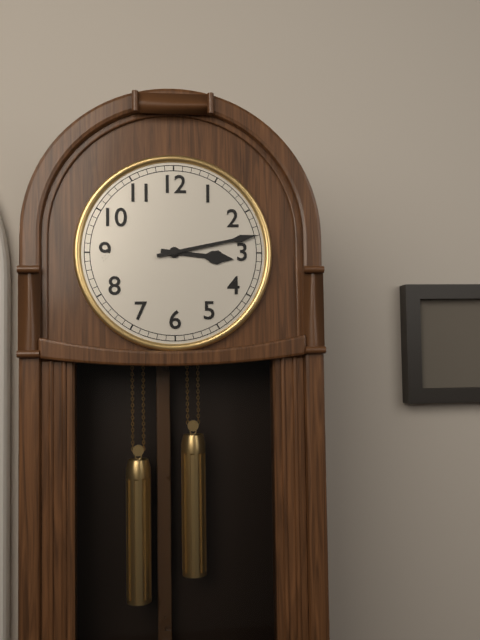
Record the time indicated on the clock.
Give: 3:13
